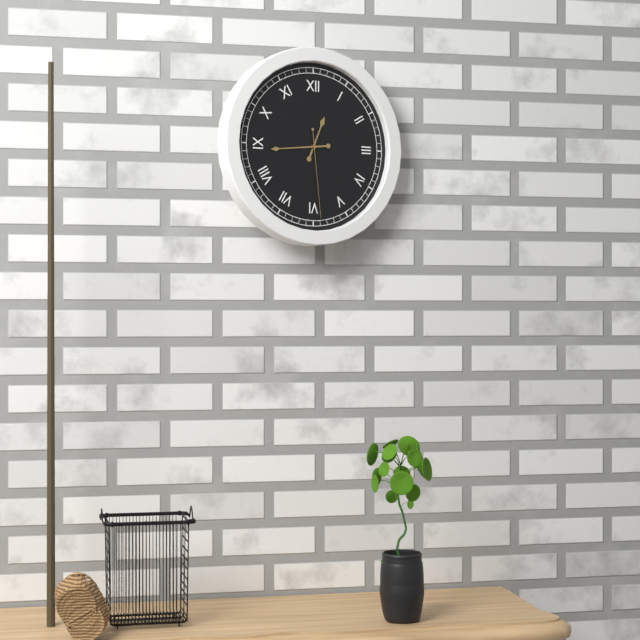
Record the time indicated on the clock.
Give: 12:44:29
